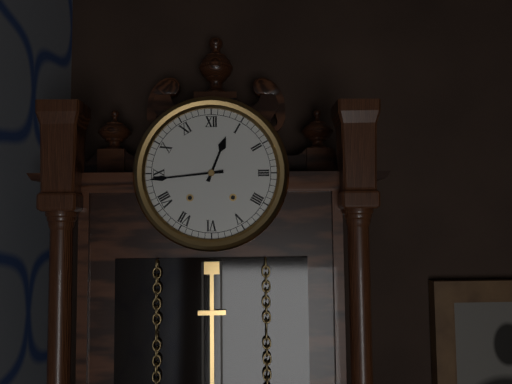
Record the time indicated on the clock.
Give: 12:44
